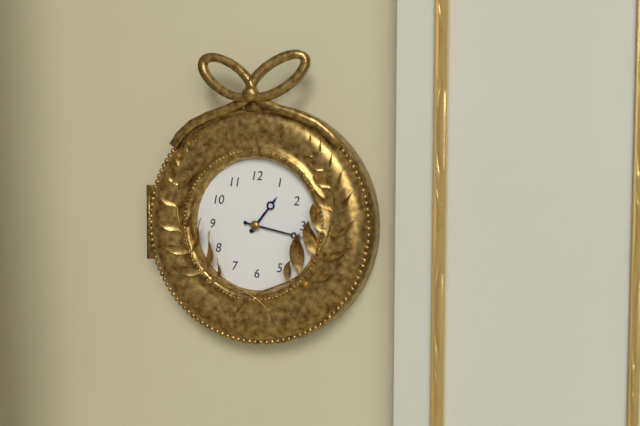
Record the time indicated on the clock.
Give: 1:17
